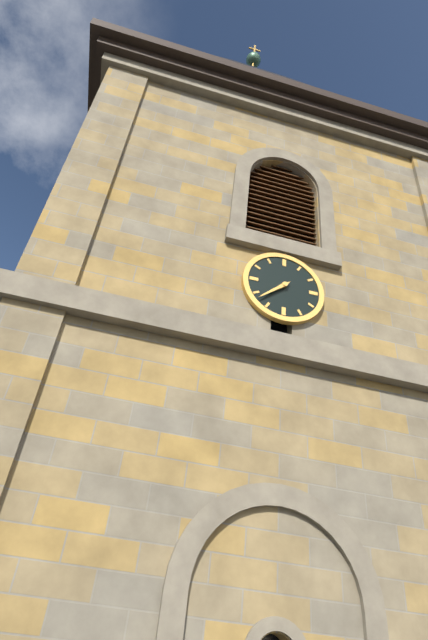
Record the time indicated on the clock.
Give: 7:38
